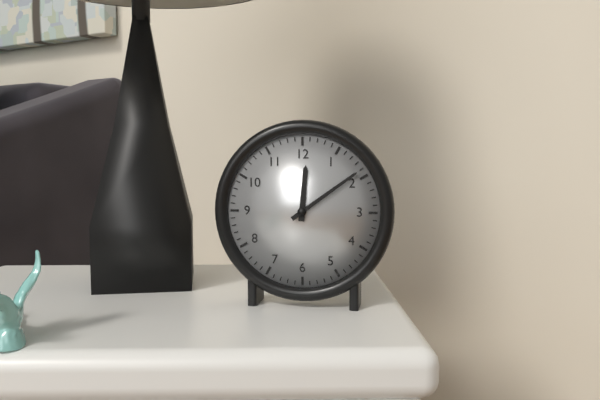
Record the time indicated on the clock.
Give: 12:09
